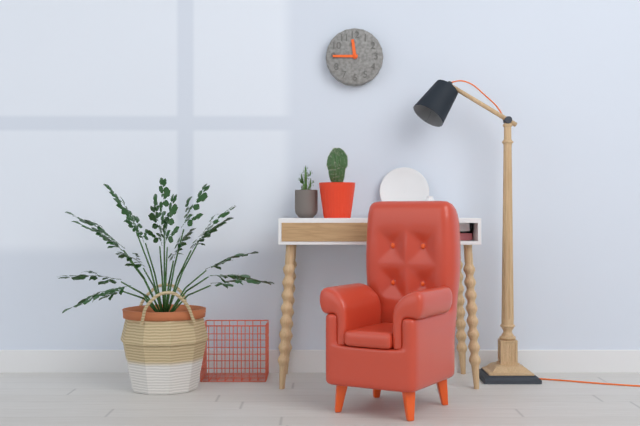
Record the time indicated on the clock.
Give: 11:45
